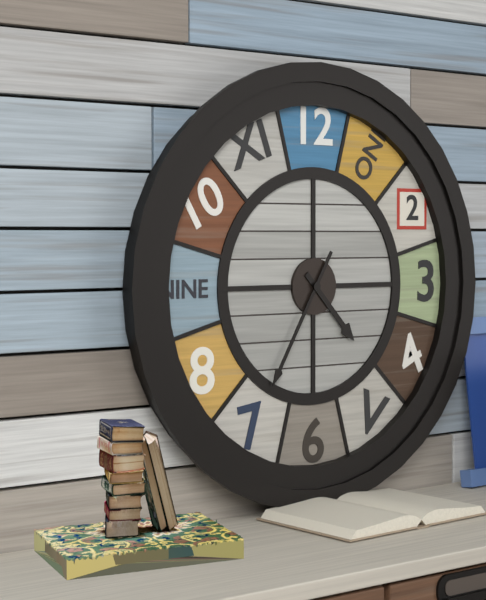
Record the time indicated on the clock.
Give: 4:35
